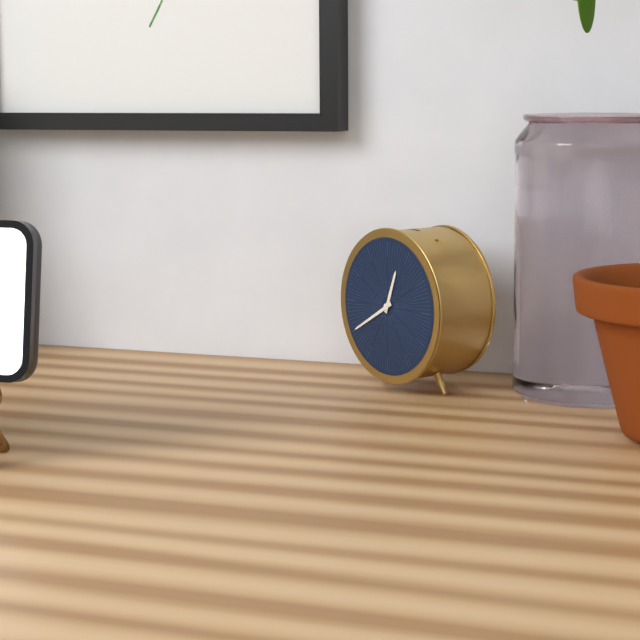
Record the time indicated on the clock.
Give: 12:40
